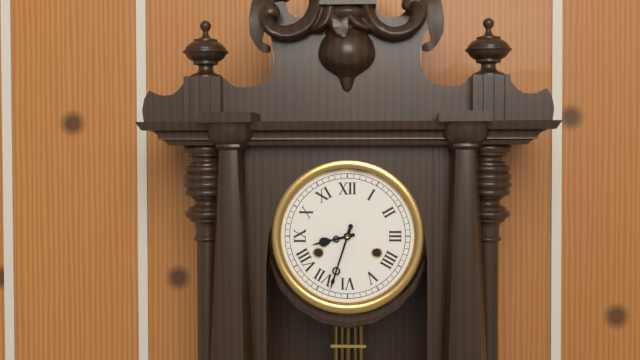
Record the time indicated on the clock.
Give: 8:33
